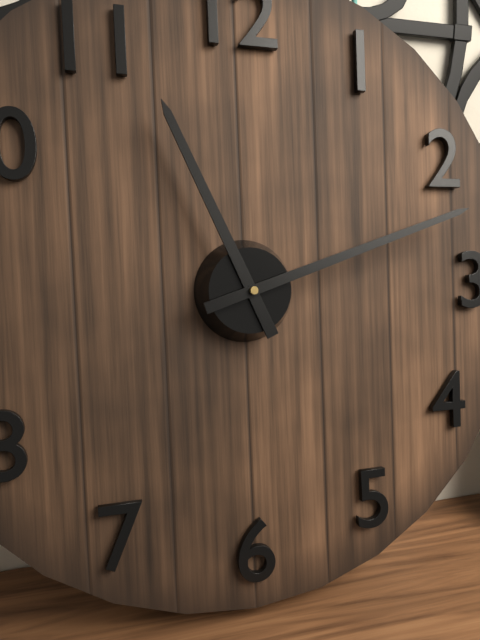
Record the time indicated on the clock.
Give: 11:12
